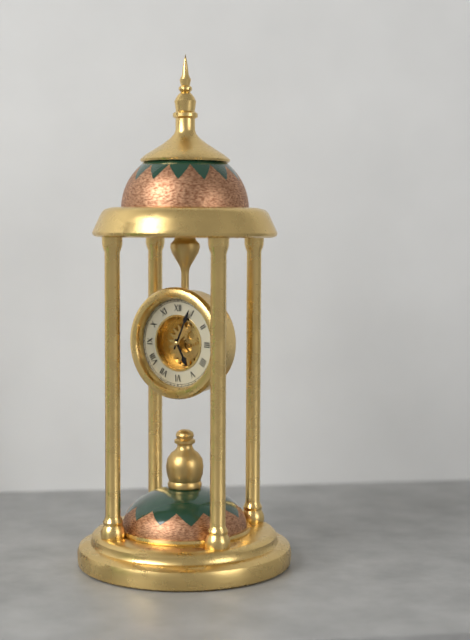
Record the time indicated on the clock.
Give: 5:04
